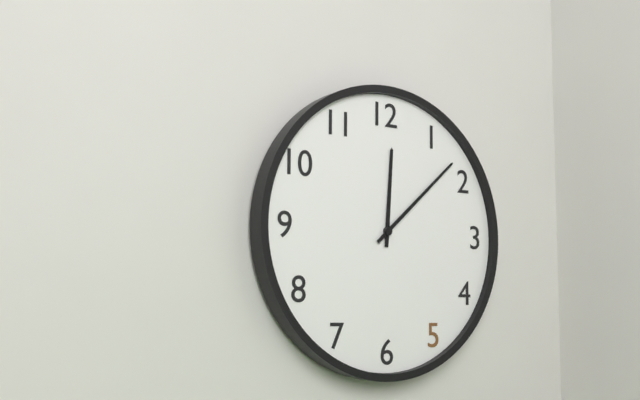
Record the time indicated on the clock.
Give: 12:08
